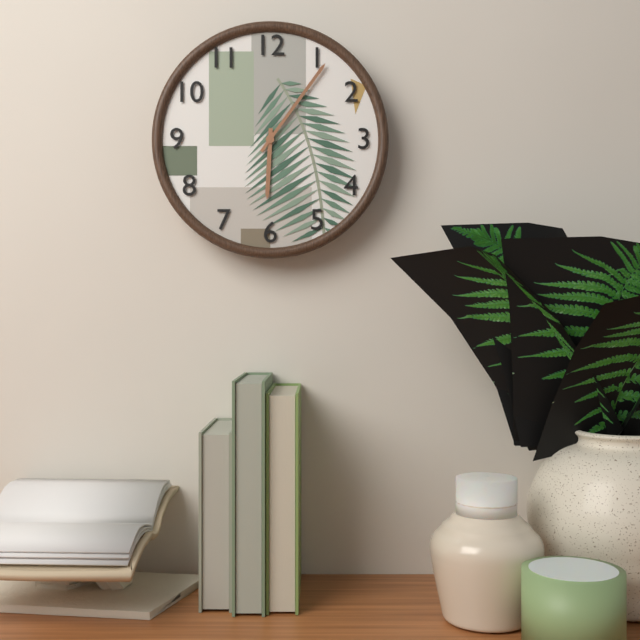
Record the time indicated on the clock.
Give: 6:06
